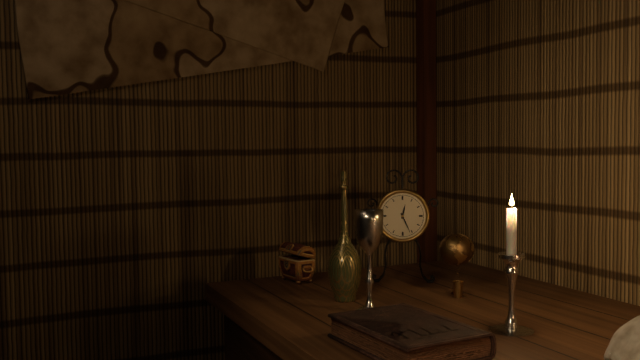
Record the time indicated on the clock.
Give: 12:26
